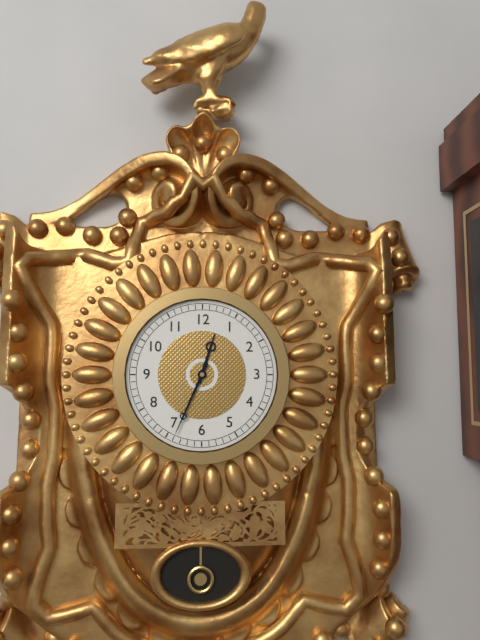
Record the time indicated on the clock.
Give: 12:34
